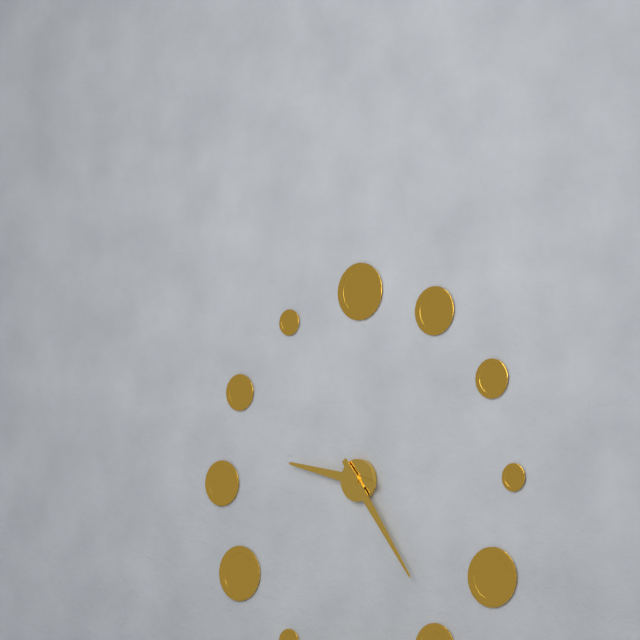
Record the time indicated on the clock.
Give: 9:24
